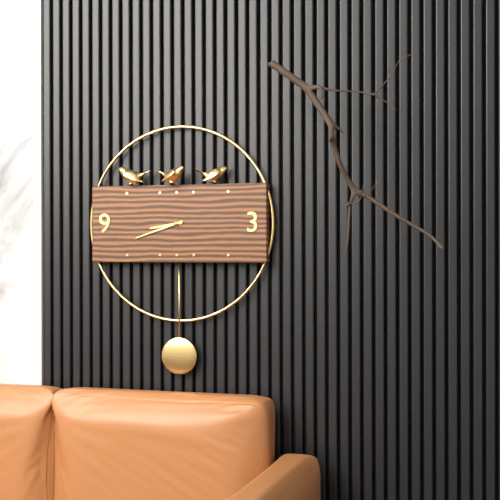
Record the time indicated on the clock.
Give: 8:42
